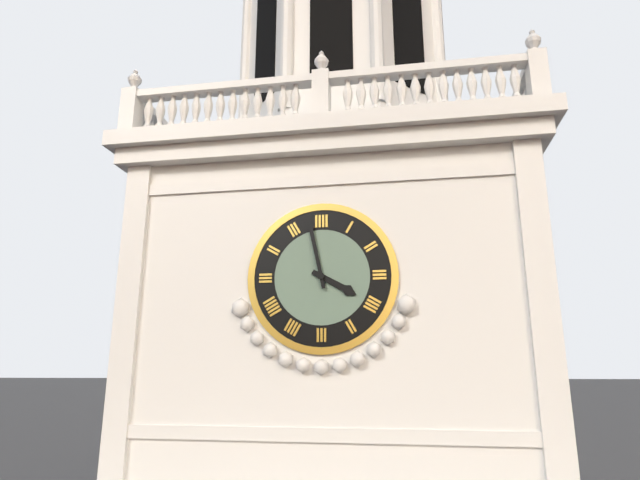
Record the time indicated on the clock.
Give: 3:58
